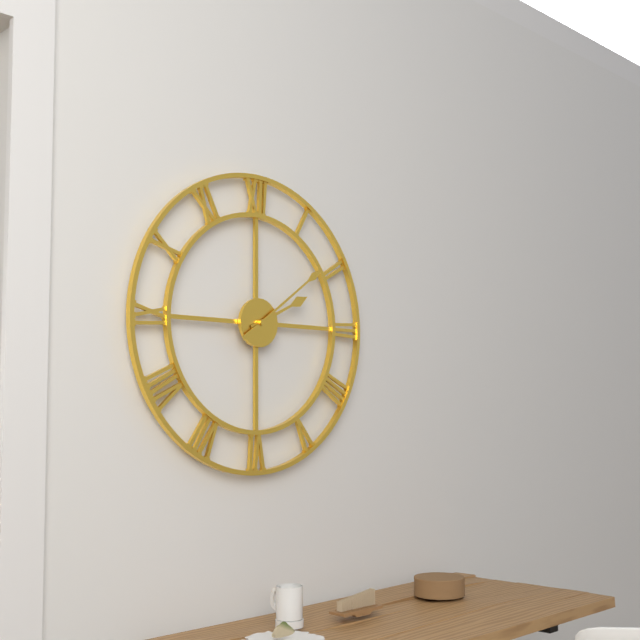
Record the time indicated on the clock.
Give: 2:09
